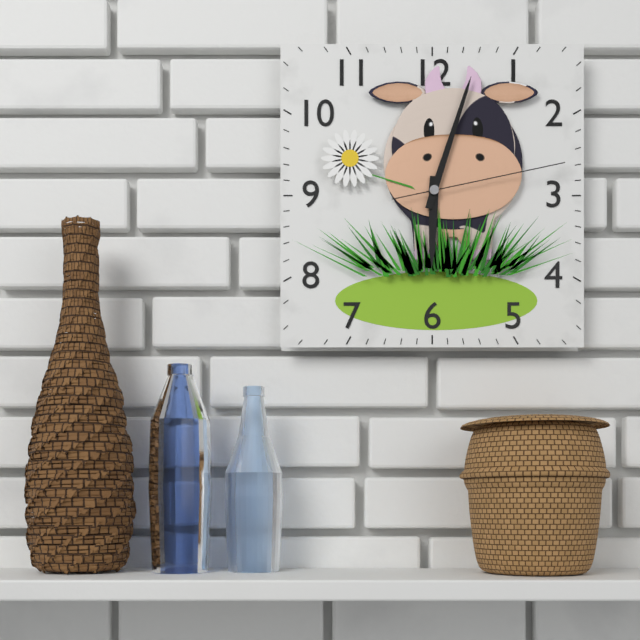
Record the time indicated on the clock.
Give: 6:03:13
